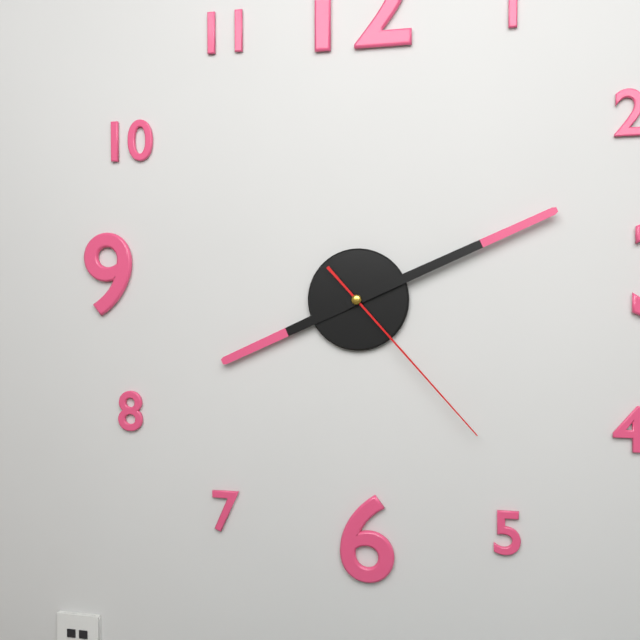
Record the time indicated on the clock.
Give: 8:11:23
